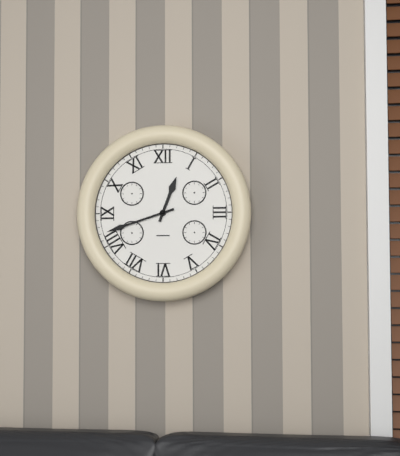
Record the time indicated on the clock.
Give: 12:42
